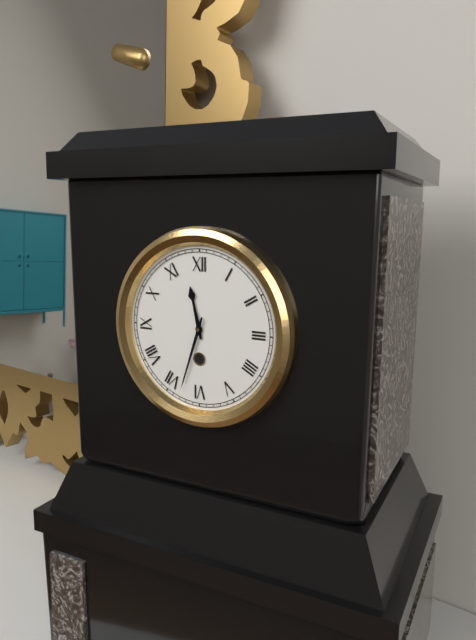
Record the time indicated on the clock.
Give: 11:33
